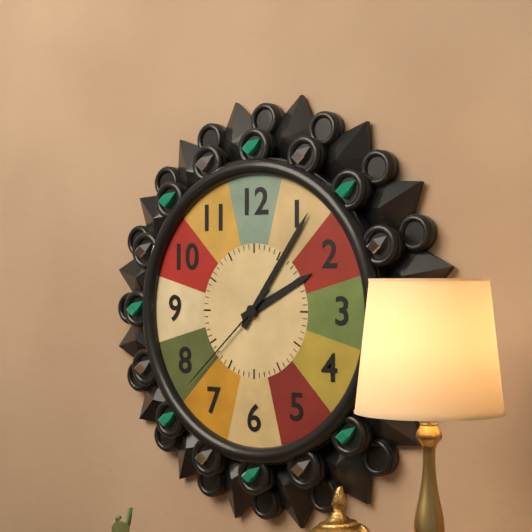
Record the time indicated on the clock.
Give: 2:06:38
